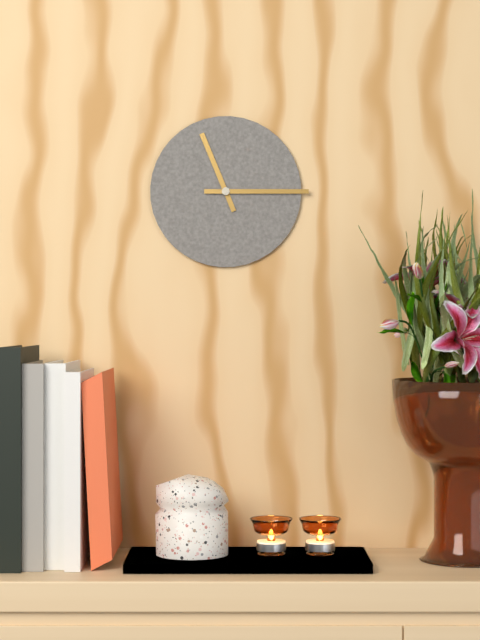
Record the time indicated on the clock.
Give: 11:15
